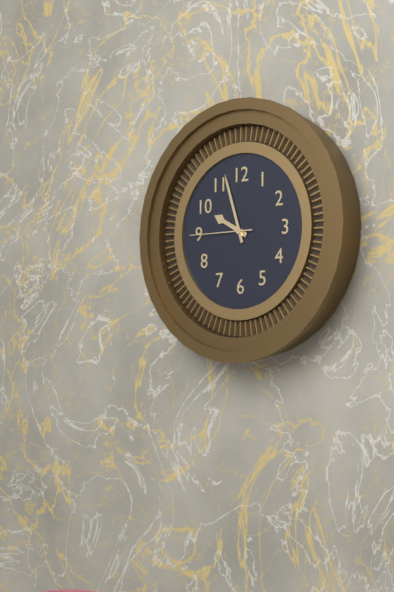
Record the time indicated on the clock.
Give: 9:57:45
